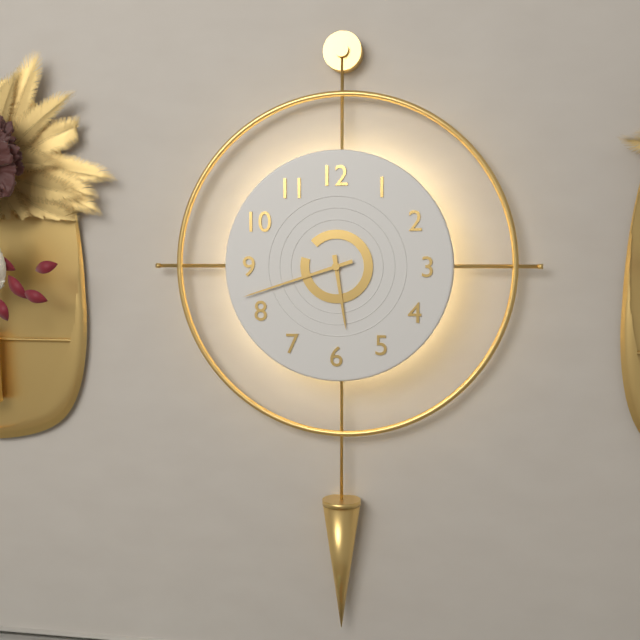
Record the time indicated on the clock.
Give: 5:42
